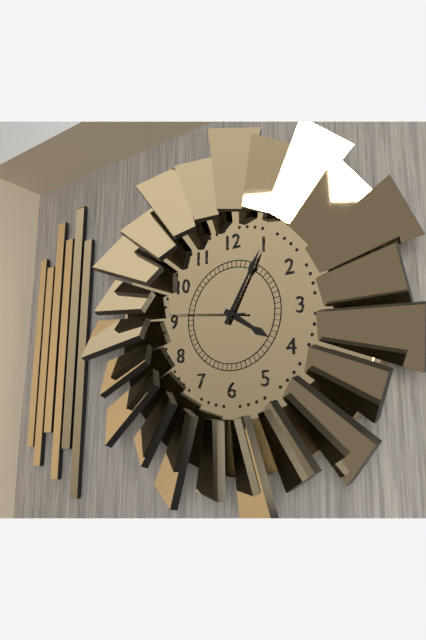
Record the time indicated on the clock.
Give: 4:05:46
